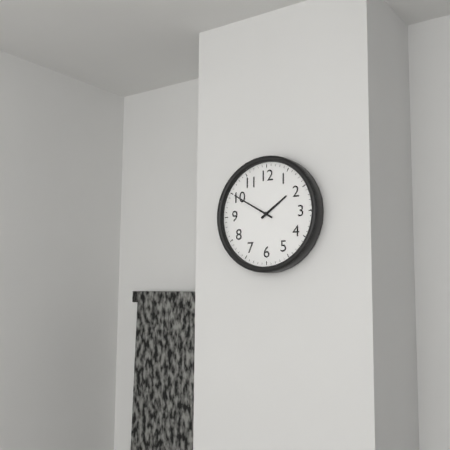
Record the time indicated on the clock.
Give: 1:50
